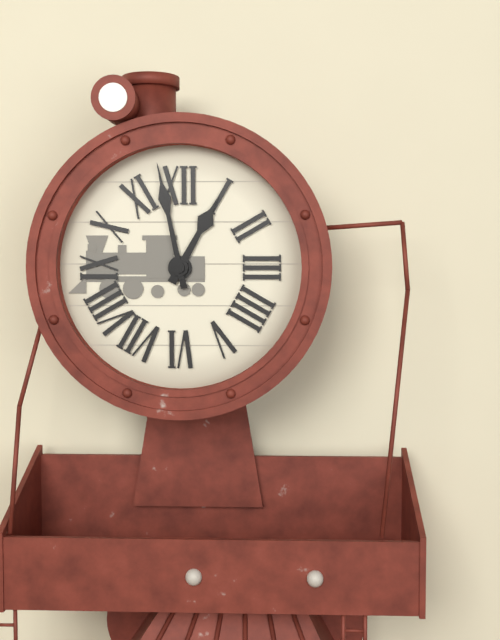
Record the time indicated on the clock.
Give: 12:58
